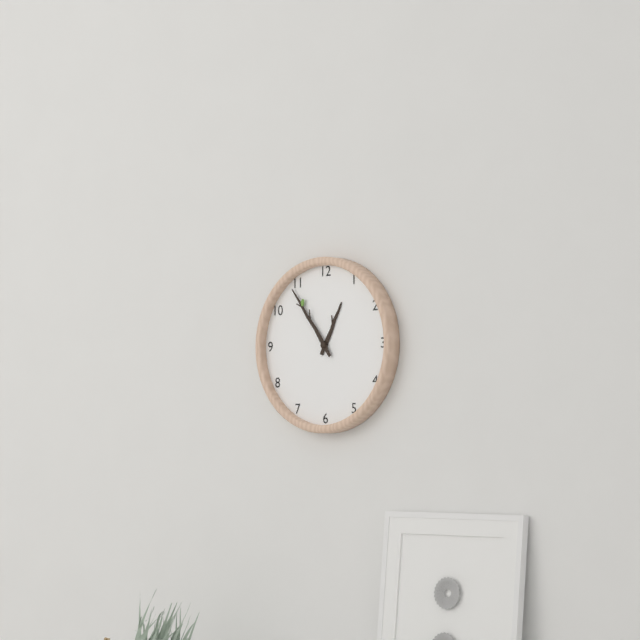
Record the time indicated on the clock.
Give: 12:54
